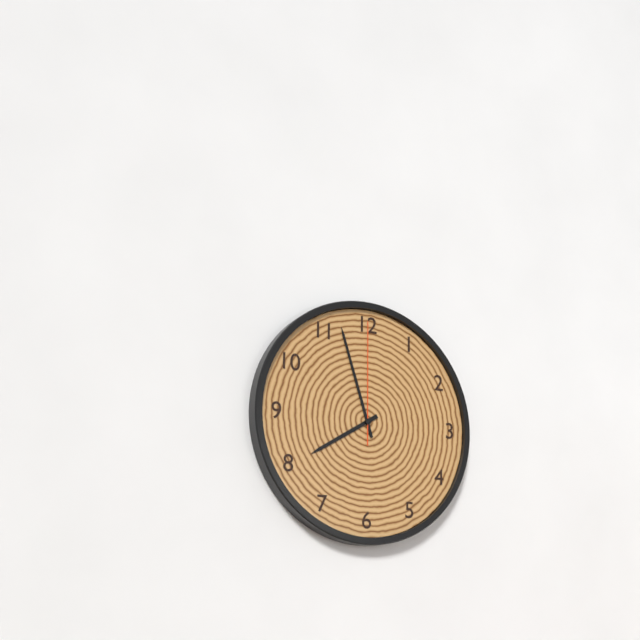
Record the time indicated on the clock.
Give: 7:57:00
